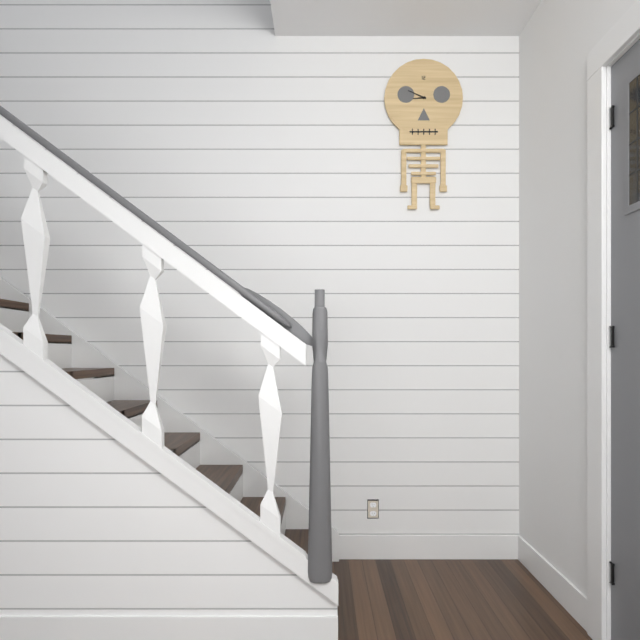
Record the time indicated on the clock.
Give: 8:49
